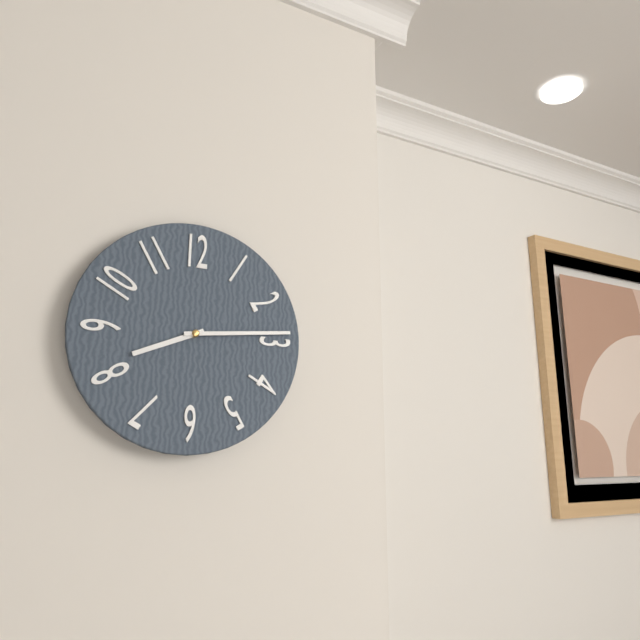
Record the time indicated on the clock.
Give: 8:14
